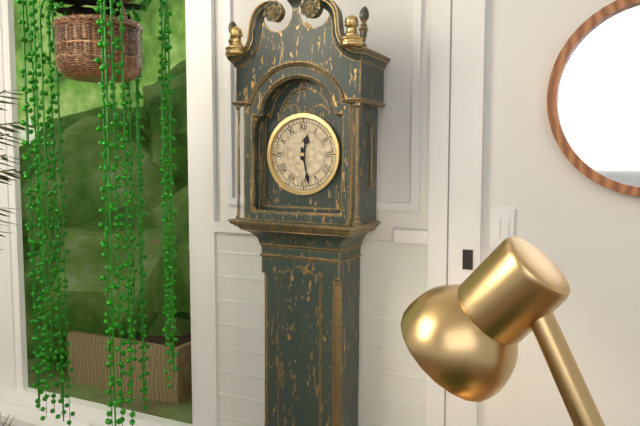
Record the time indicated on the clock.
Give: 12:28
